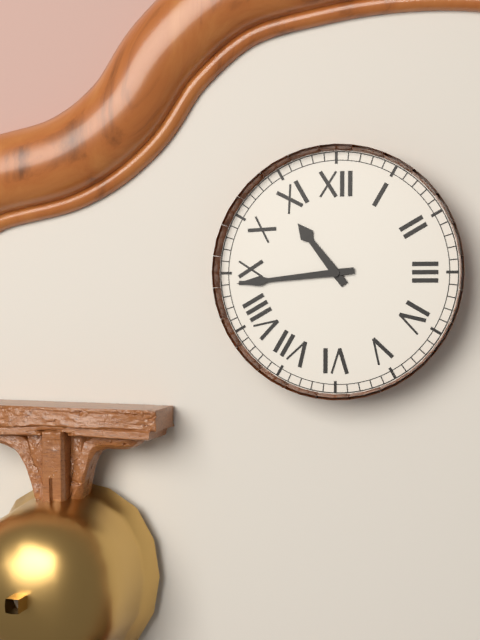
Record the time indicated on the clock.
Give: 10:44
